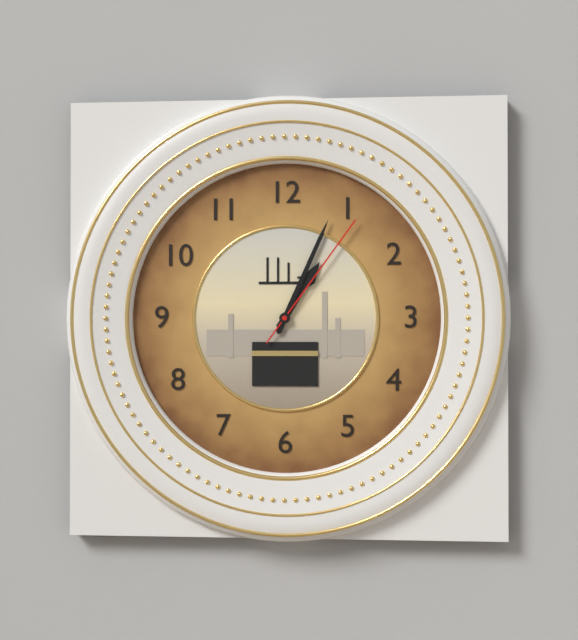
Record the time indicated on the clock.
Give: 1:04:06
